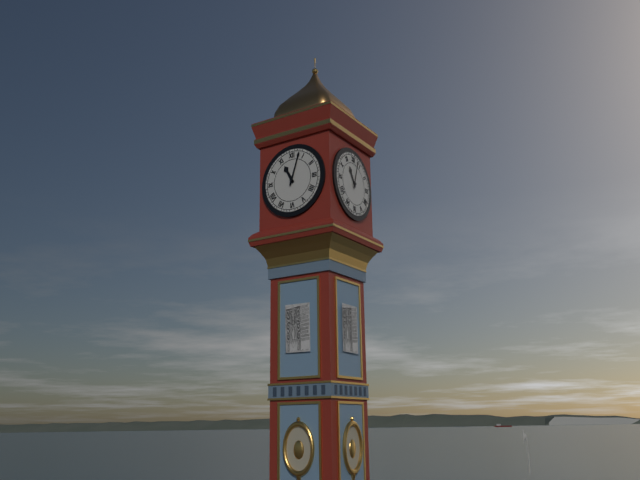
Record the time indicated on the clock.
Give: 11:03
